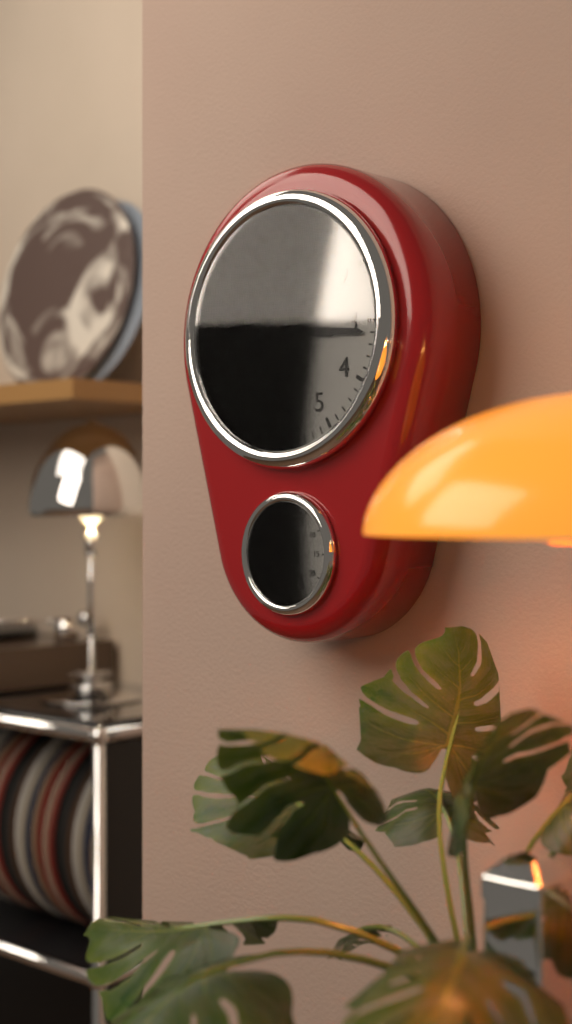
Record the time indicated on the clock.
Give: 3:16:45
